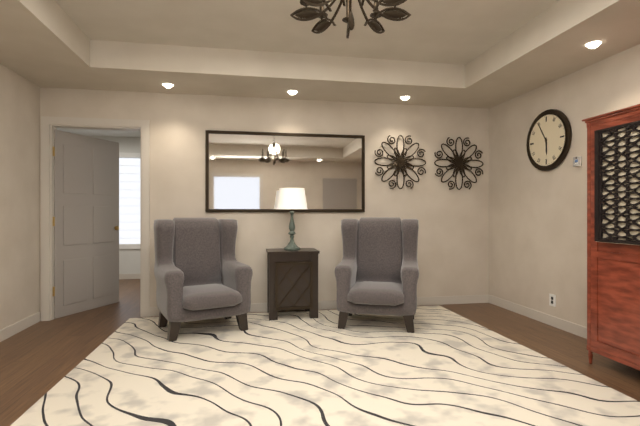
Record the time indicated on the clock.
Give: 5:55
